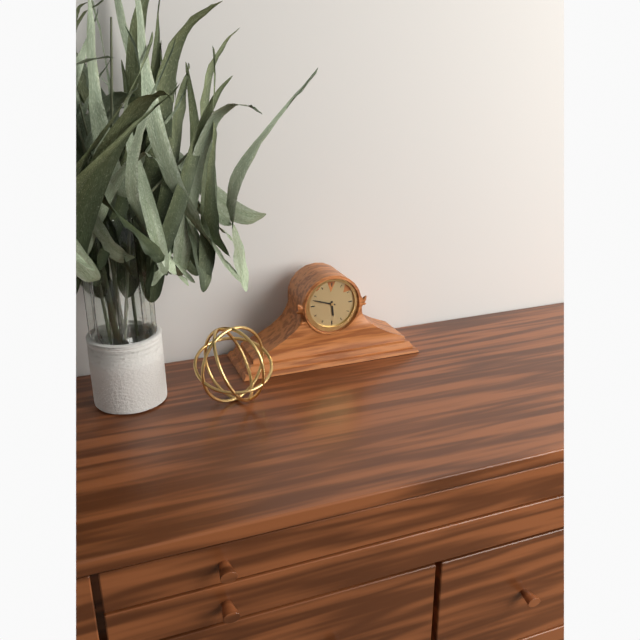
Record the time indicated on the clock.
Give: 5:48
